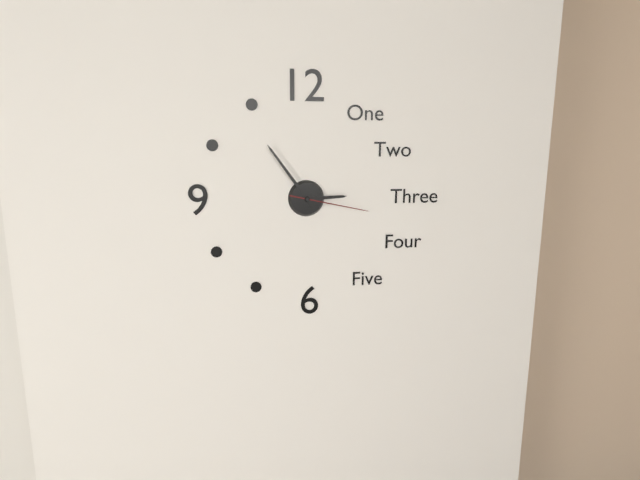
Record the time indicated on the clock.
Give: 2:54:17
